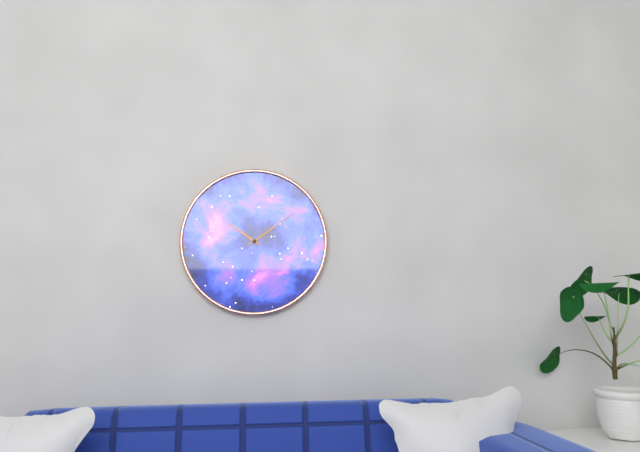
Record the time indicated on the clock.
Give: 10:09
